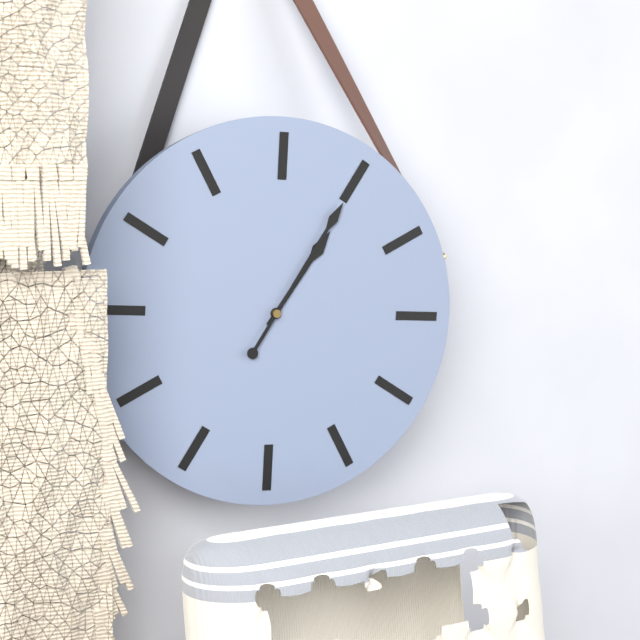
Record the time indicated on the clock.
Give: 1:05
